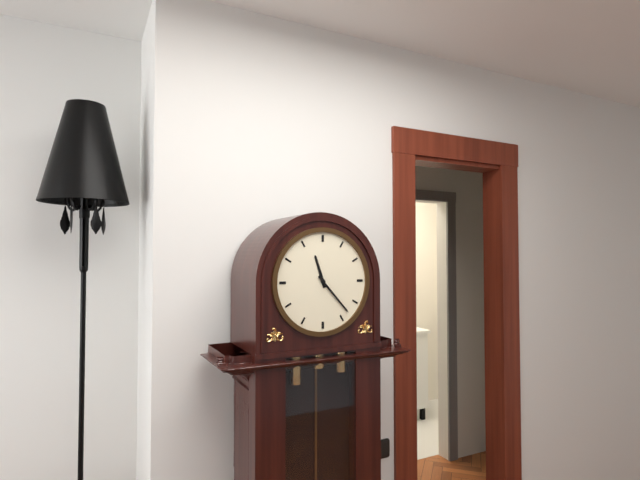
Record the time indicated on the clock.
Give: 11:23
